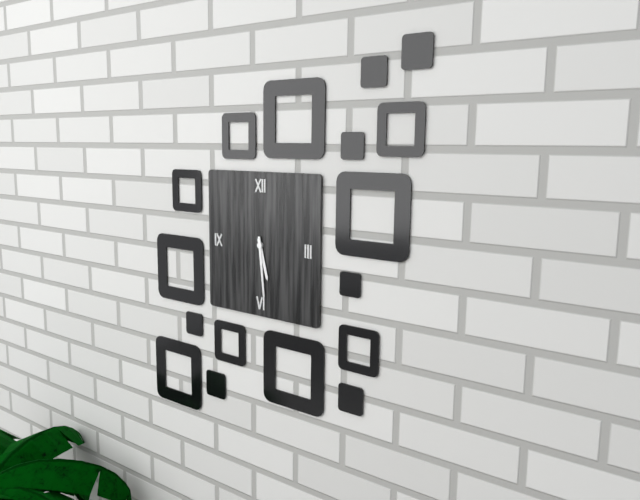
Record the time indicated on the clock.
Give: 5:29
